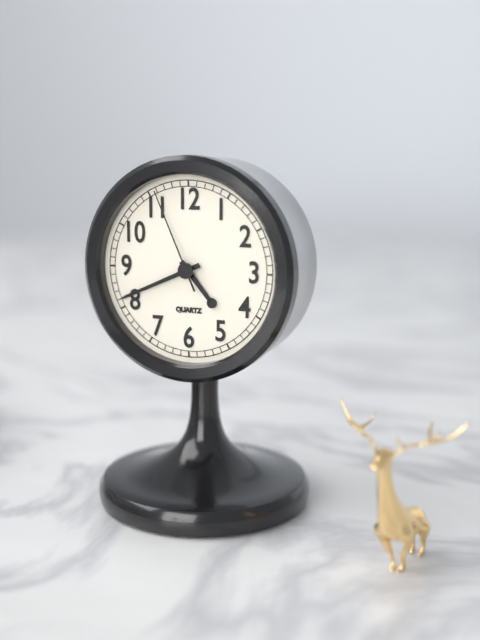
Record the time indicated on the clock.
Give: 4:41:56
